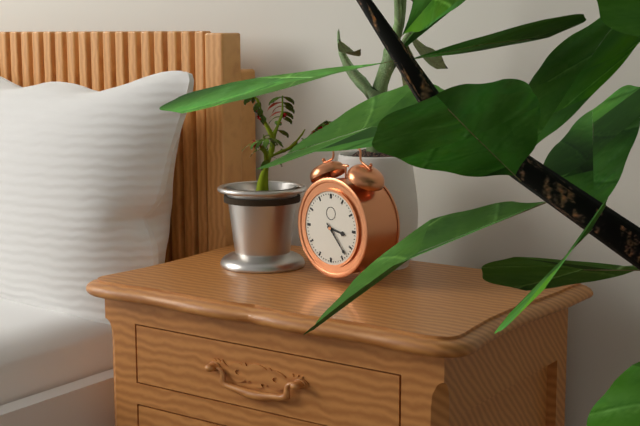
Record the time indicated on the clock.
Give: 3:23
